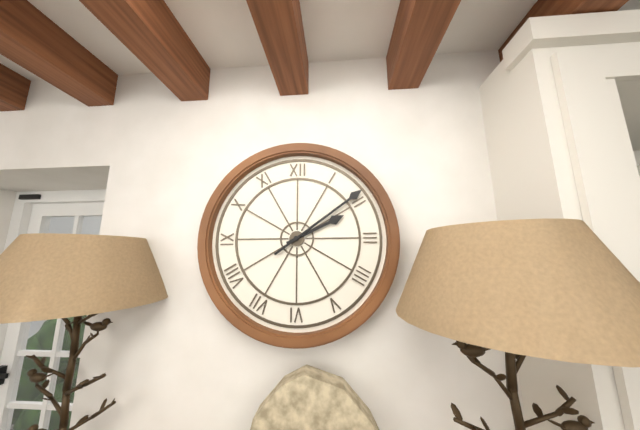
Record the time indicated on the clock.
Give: 2:09
